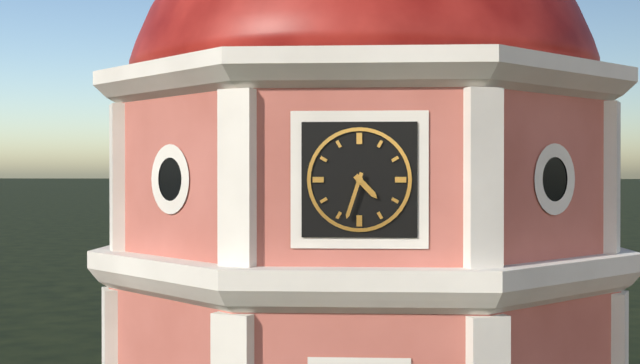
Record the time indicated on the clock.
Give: 4:33
